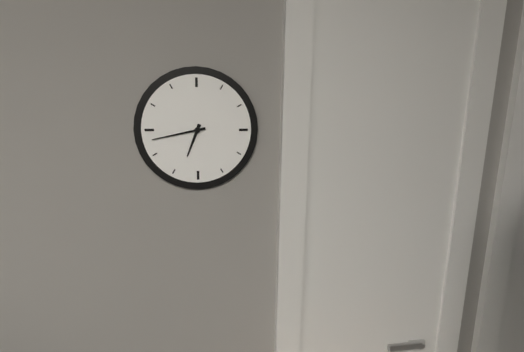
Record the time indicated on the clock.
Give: 6:43
